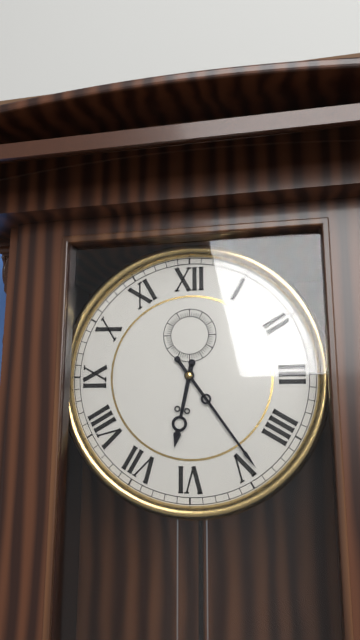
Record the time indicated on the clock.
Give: 6:24
